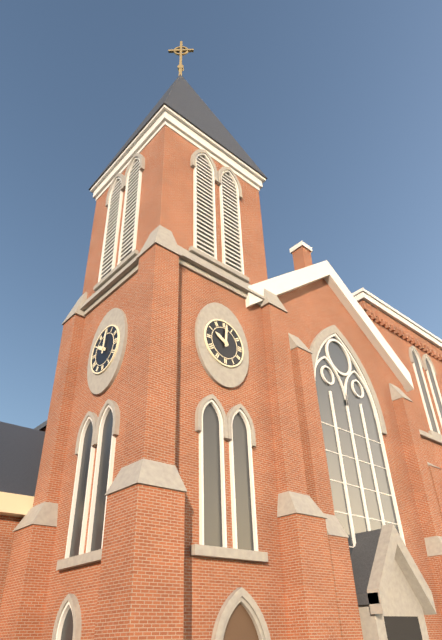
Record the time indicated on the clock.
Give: 10:01
